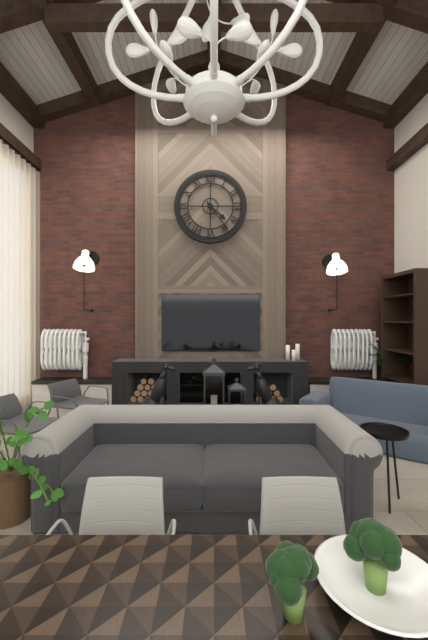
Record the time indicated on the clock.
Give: 4:24
